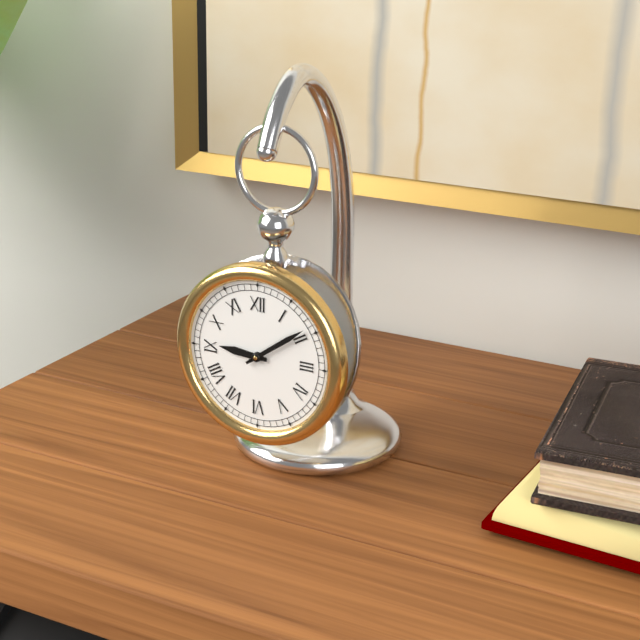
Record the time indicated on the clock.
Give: 9:09
